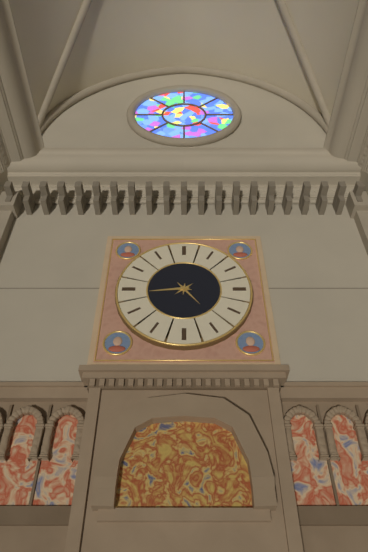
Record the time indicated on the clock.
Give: 4:44
